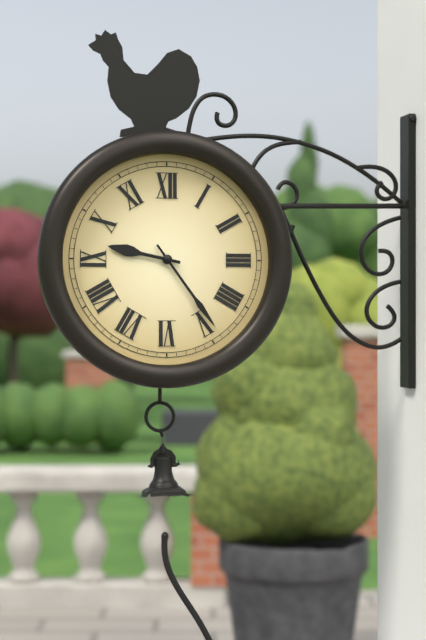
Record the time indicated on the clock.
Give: 9:24
